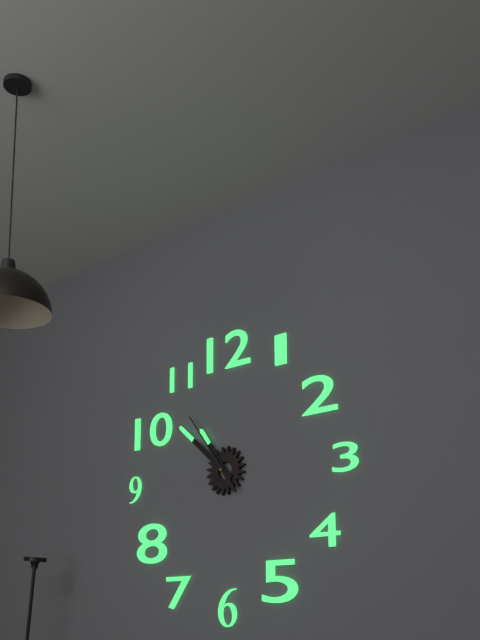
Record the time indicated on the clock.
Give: 10:52:54
